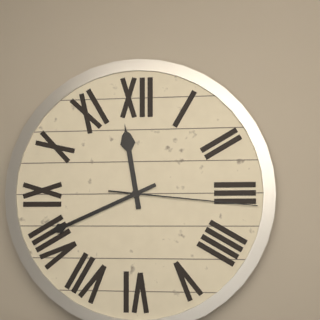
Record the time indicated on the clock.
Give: 11:41:16
